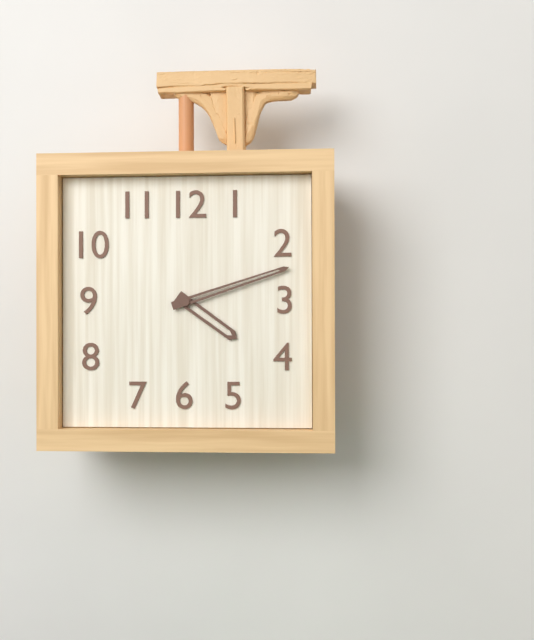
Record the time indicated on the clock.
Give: 4:12
